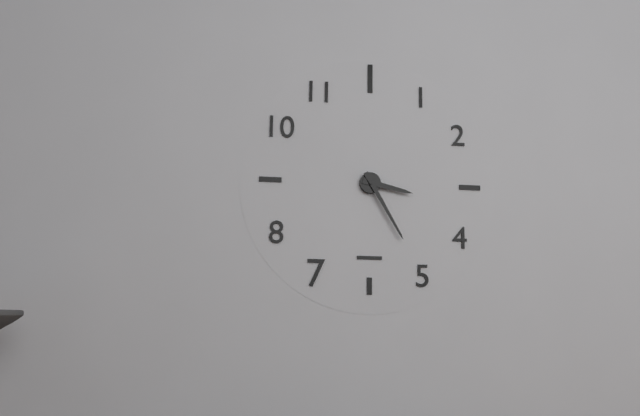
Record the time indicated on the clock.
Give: 3:25
